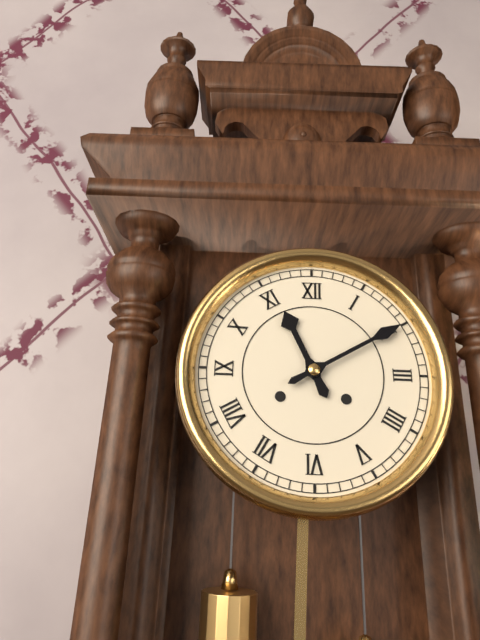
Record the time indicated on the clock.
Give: 11:10
